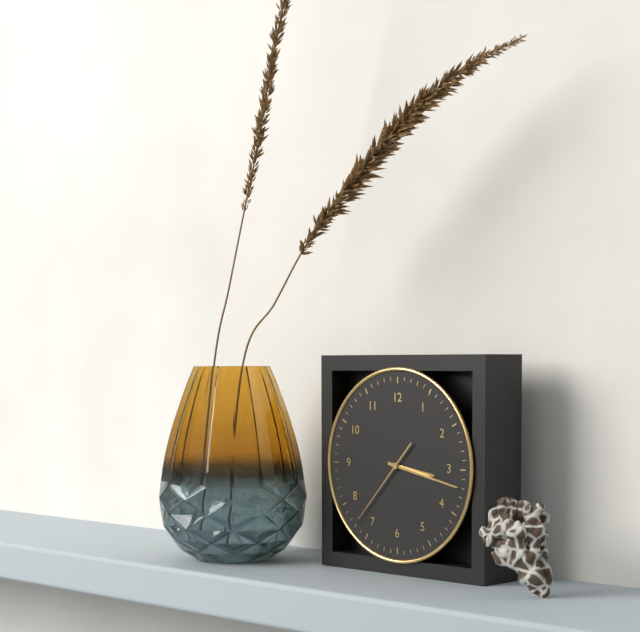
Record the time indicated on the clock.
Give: 3:17:37
